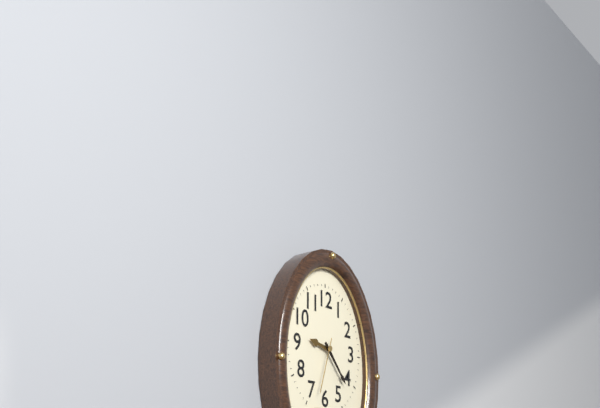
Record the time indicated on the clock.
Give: 9:23:33
